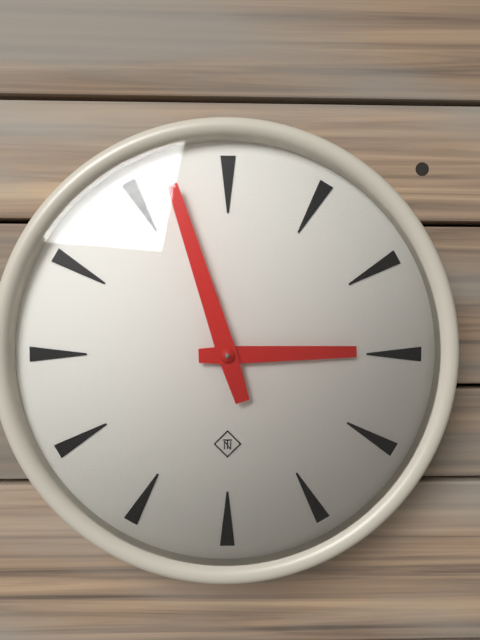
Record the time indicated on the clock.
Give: 2:57
